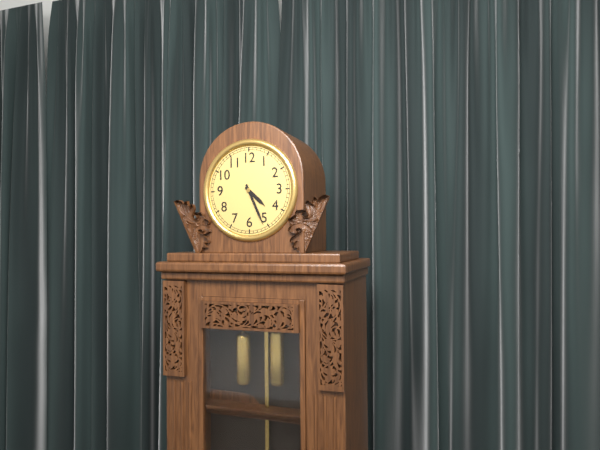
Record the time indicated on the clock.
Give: 4:26
